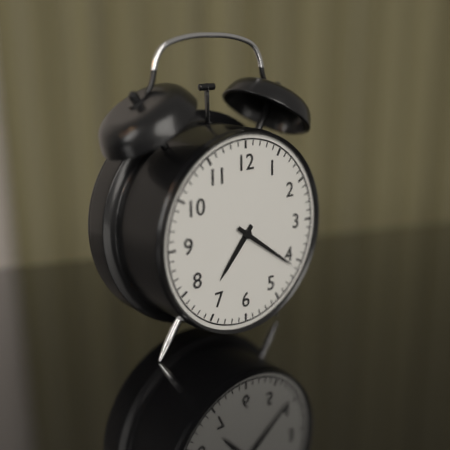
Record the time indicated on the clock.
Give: 7:21
